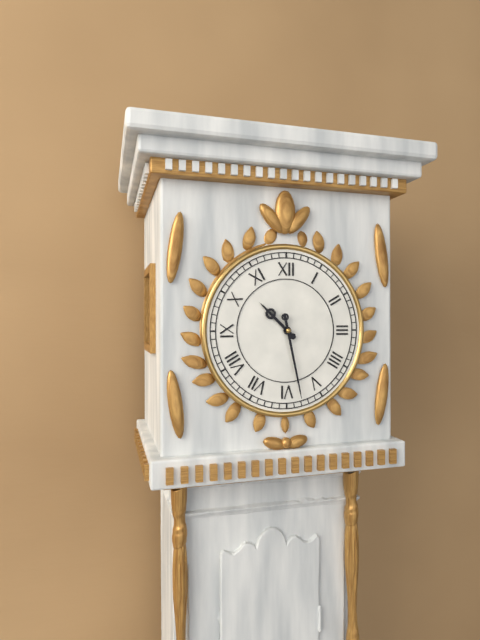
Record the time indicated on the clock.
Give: 10:28
